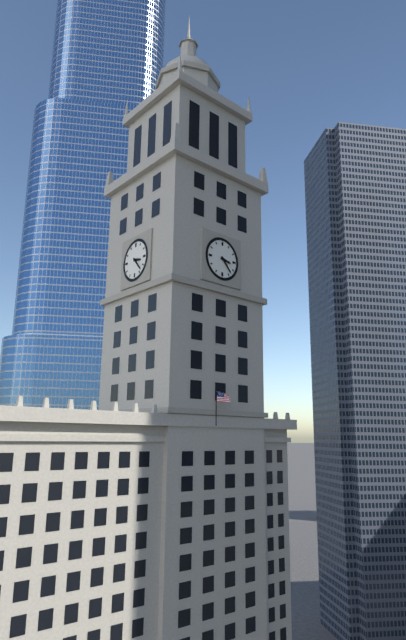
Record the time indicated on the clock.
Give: 3:23
